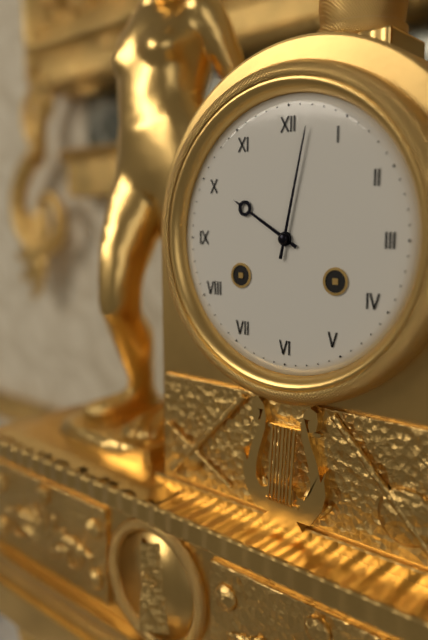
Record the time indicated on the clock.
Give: 10:02
